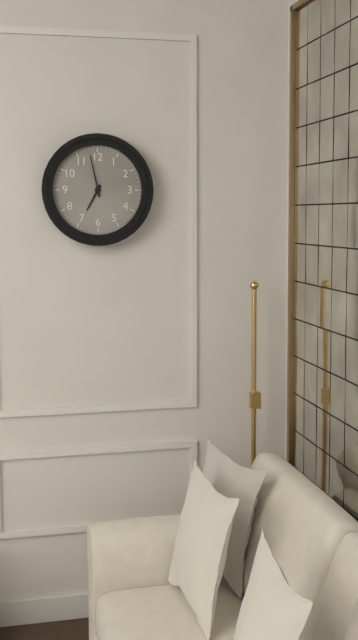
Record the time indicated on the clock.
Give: 6:58
